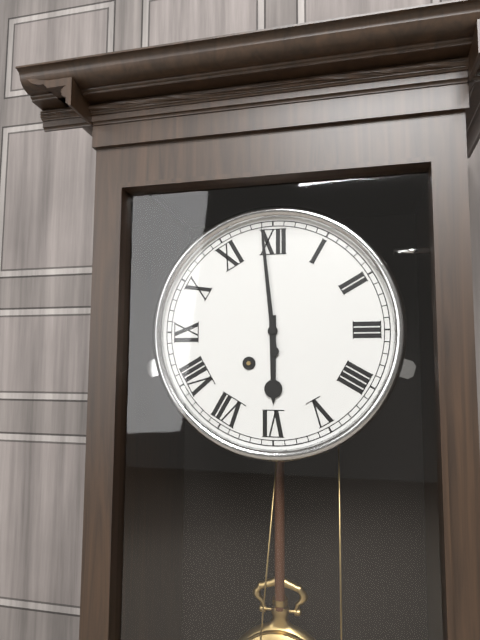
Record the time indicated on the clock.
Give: 5:59
